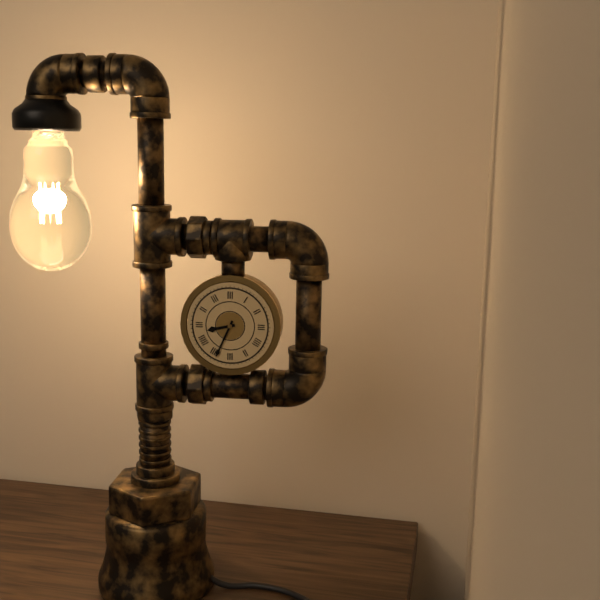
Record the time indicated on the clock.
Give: 8:34
